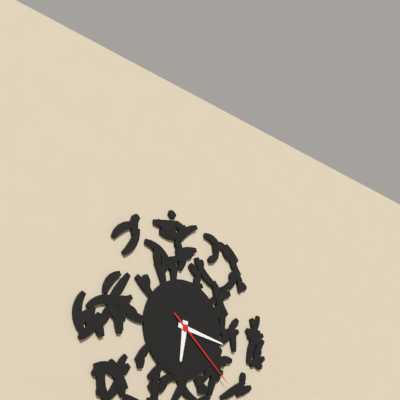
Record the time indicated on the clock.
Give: 6:17:22
